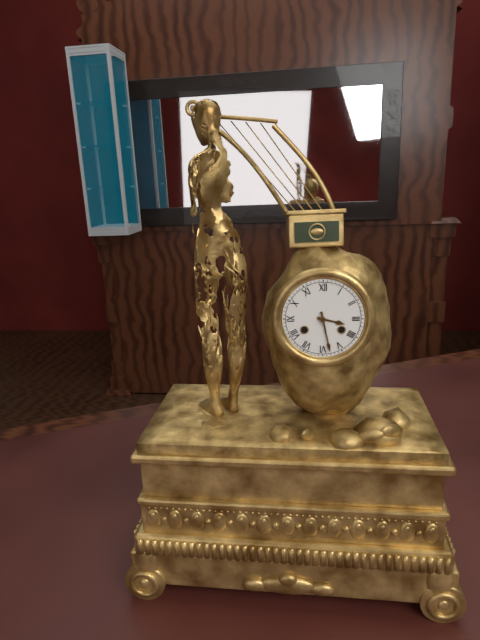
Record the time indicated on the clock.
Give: 3:28
